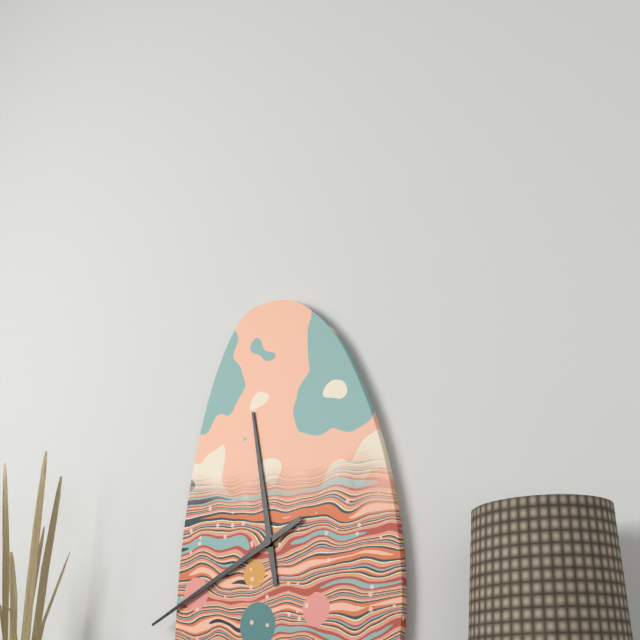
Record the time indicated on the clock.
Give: 11:41
